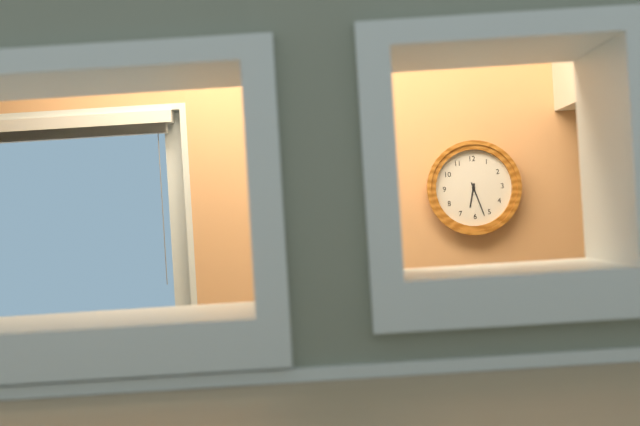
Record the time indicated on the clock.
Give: 6:27
